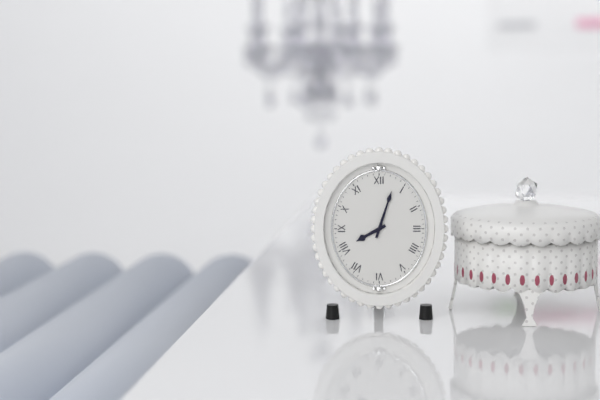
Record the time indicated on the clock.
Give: 8:03
